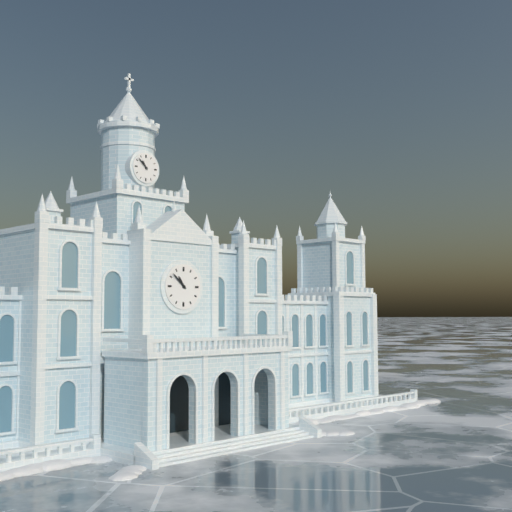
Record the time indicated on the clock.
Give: 10:52
